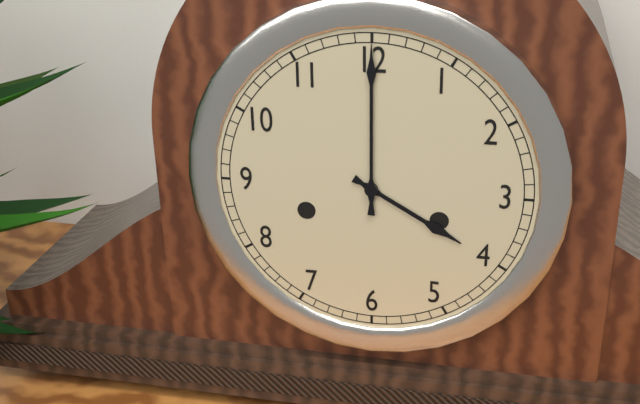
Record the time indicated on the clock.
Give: 4:00
